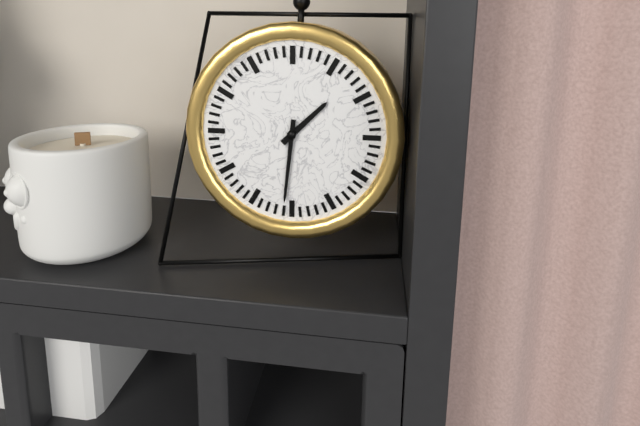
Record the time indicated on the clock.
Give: 1:31
